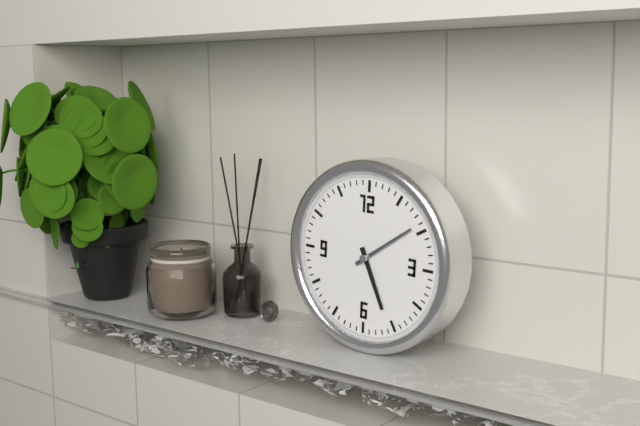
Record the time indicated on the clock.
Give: 5:09
